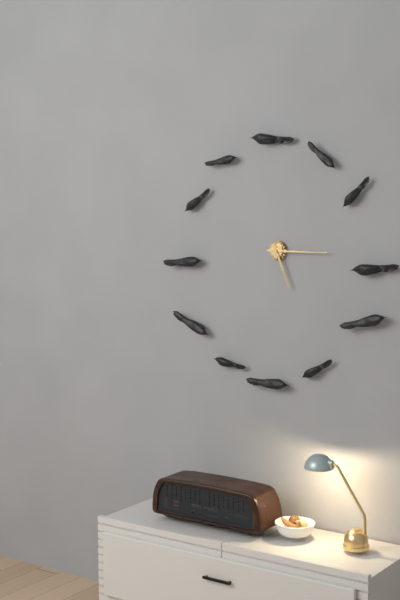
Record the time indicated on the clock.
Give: 5:15
